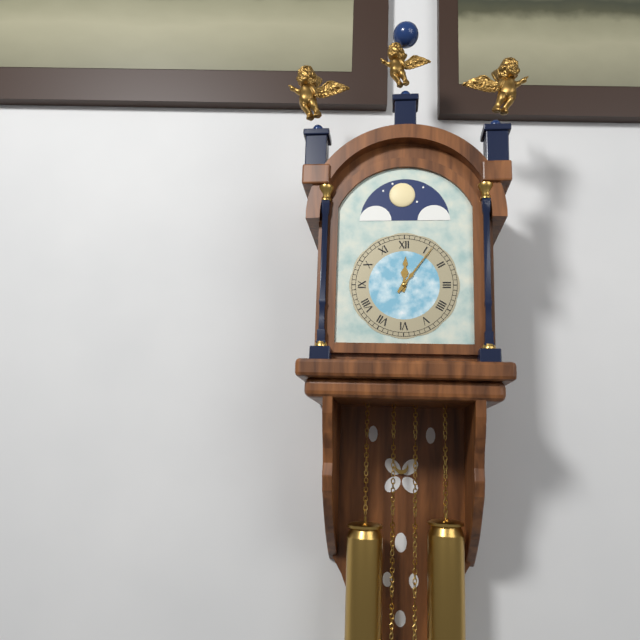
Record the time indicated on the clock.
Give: 12:06
